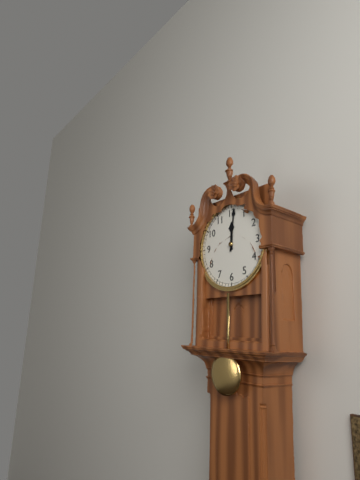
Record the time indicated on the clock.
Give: 12:01
